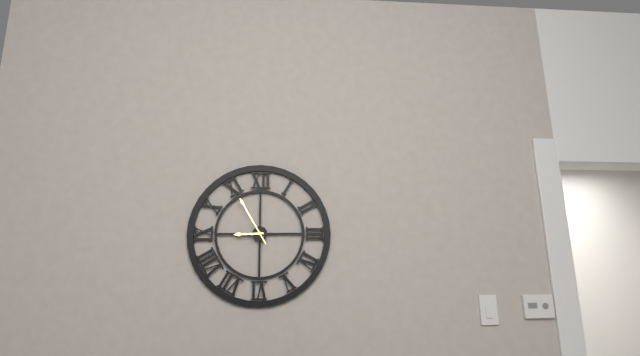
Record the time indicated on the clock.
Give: 8:55
